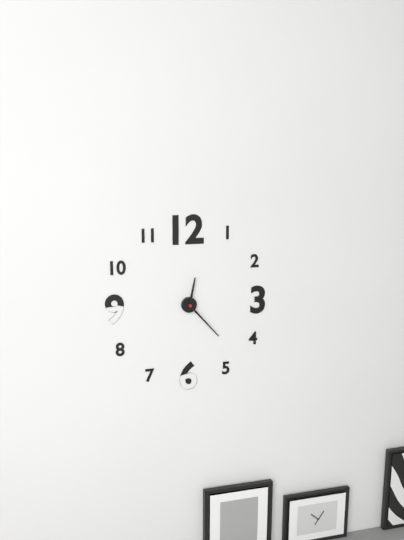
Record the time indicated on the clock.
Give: 12:23
